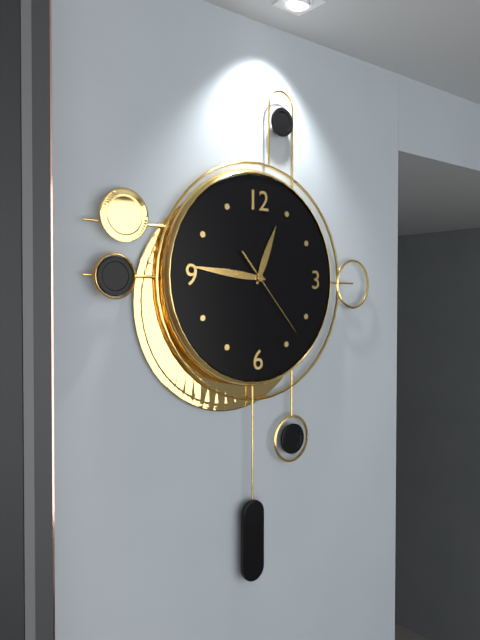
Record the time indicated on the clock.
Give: 12:46:23
